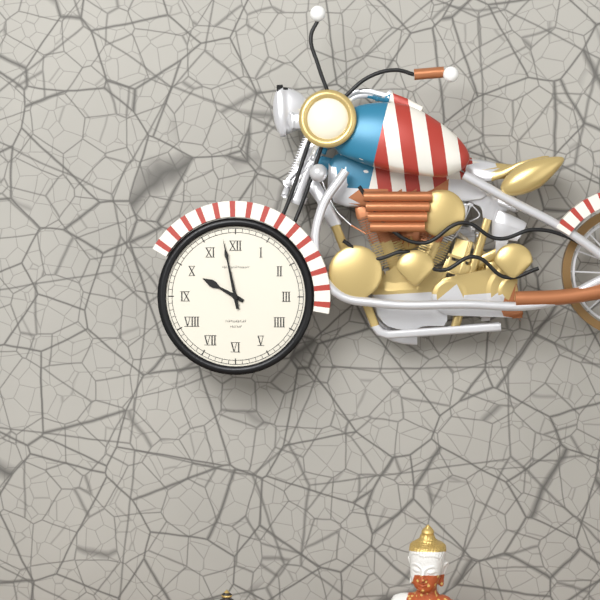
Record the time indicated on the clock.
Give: 9:58
